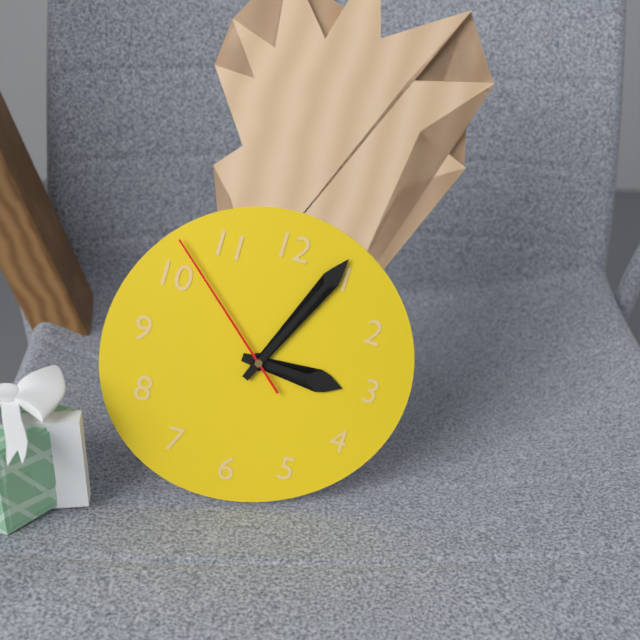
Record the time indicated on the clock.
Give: 3:04:52
